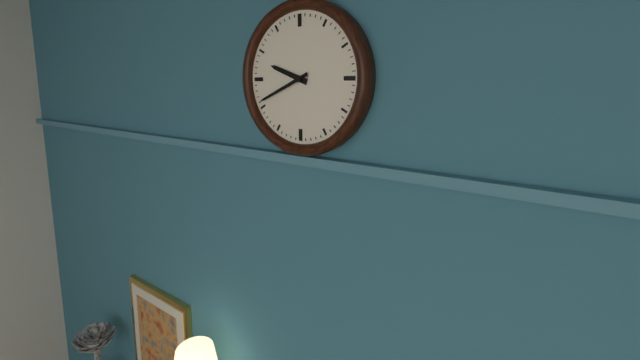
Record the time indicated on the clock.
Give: 9:41
